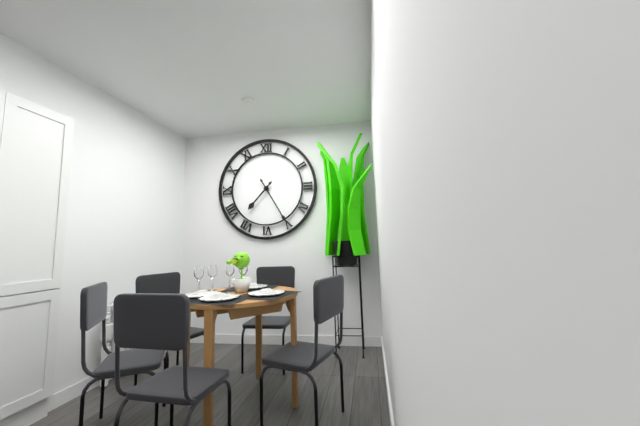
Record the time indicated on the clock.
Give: 7:25
